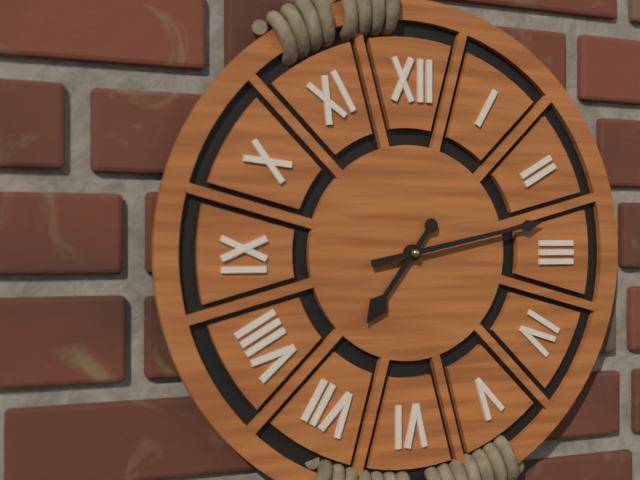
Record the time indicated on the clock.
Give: 7:13
